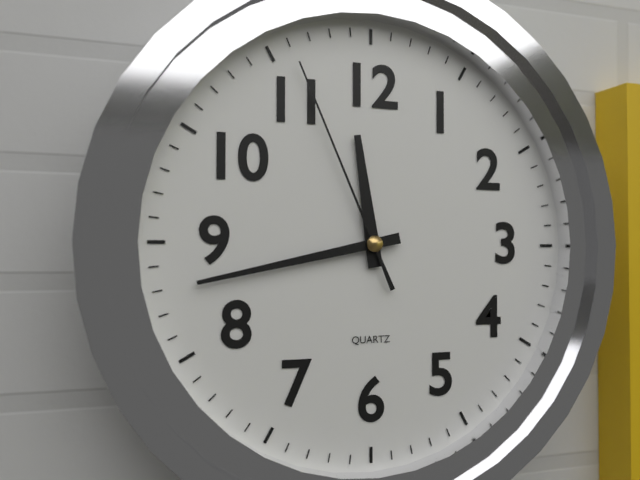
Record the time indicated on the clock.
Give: 11:43:56
